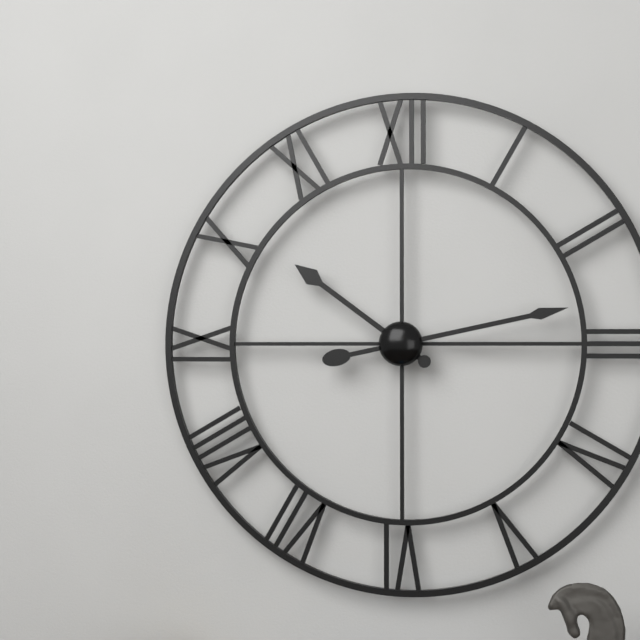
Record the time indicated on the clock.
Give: 10:13
